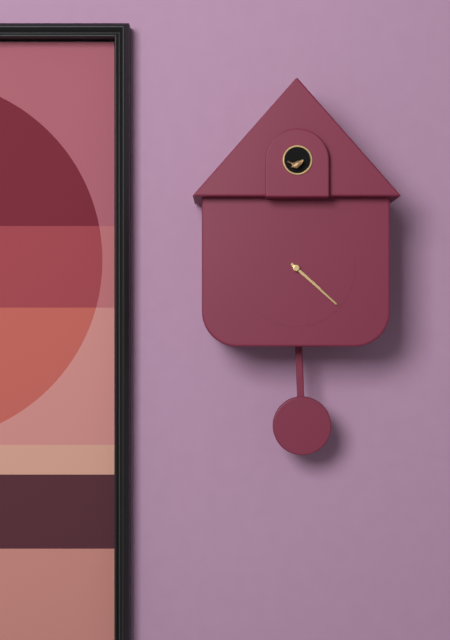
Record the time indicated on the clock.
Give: 4:22
